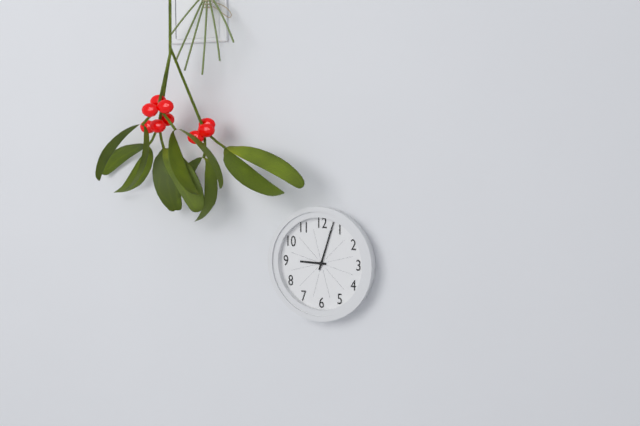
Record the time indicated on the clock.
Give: 9:03
